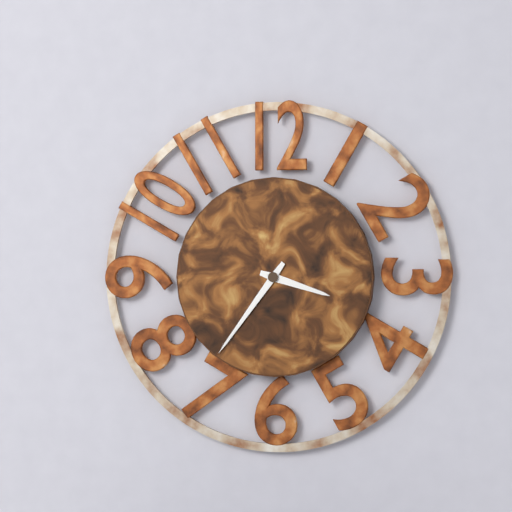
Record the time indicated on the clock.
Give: 3:36
